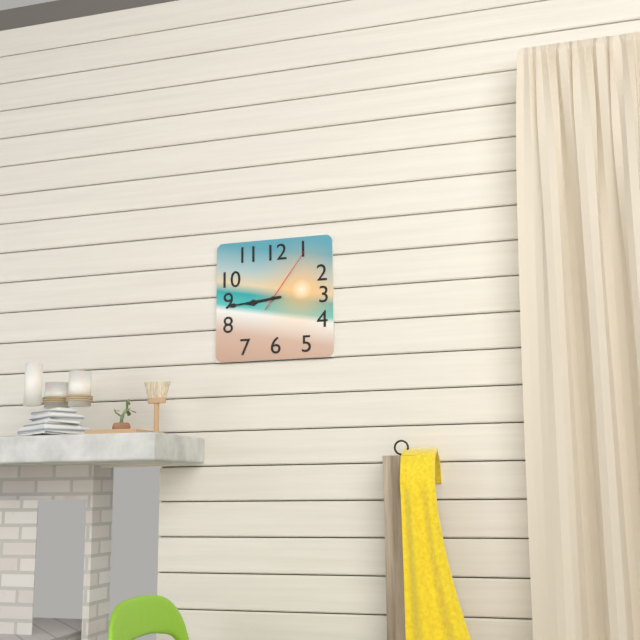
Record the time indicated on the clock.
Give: 8:44:06
